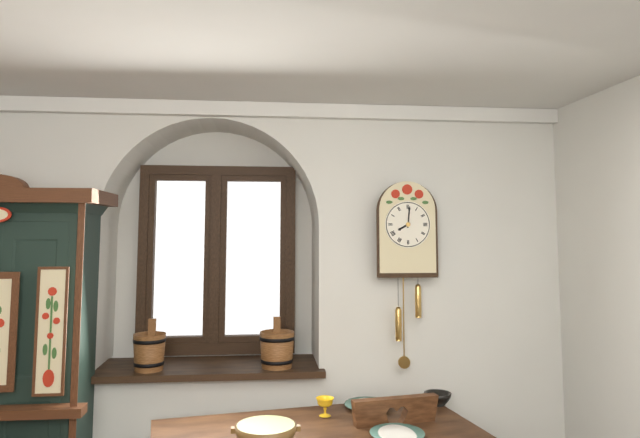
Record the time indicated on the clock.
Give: 8:01
